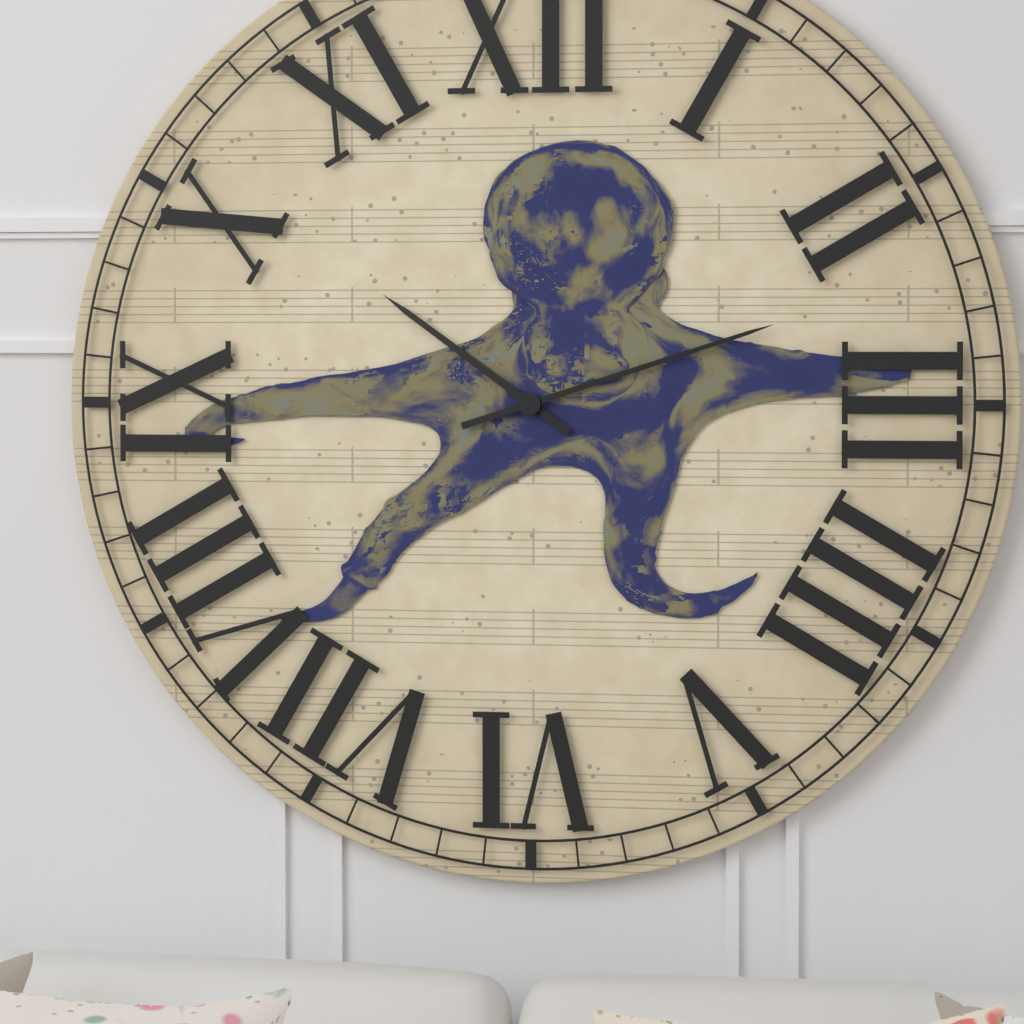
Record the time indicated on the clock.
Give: 10:12
